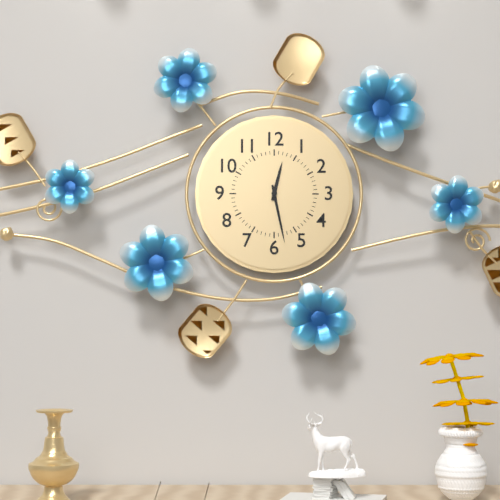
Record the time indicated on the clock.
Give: 12:28
